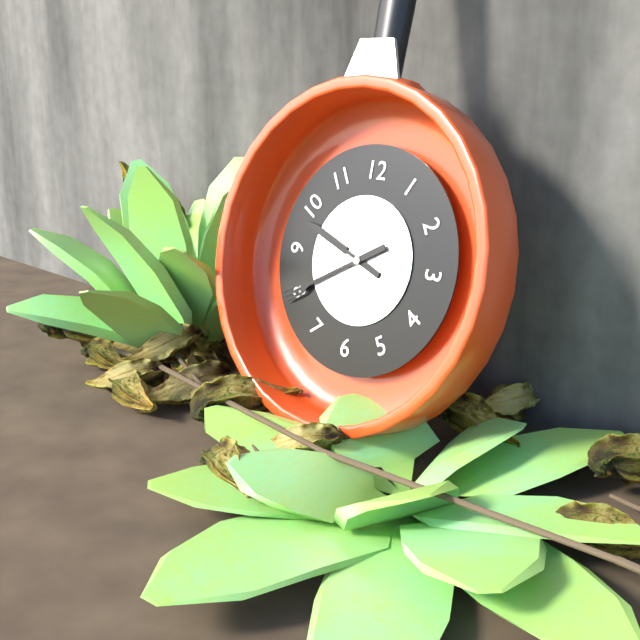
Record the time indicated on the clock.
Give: 9:40
